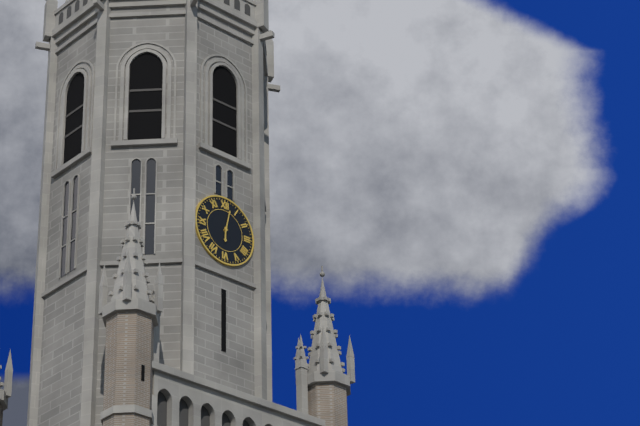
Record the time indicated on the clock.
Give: 6:02
